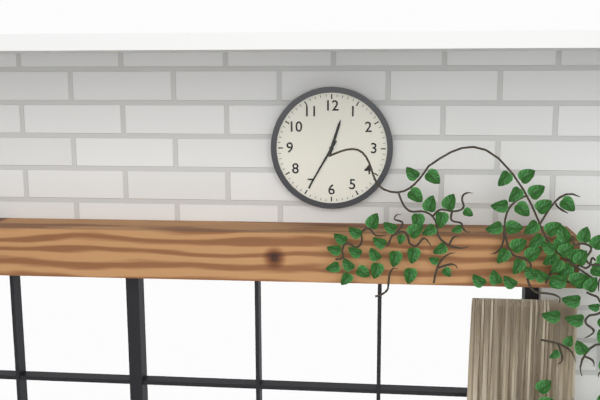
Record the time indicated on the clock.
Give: 12:35
